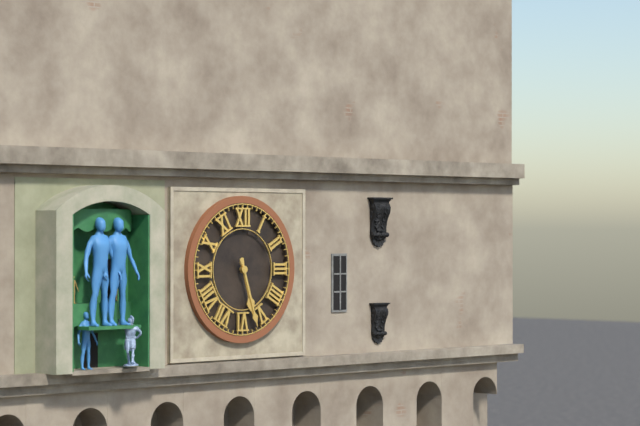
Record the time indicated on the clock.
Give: 5:27
